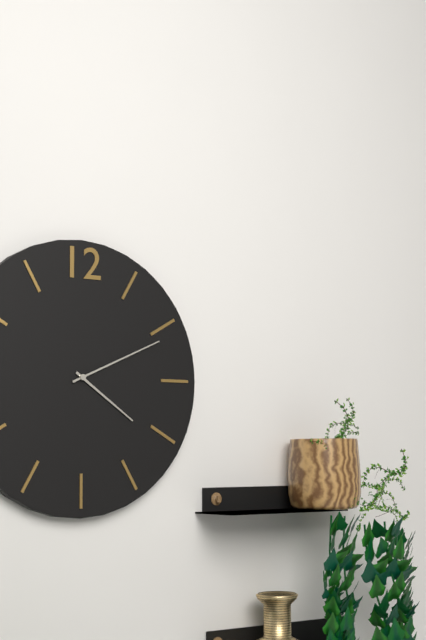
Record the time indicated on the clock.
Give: 4:11
